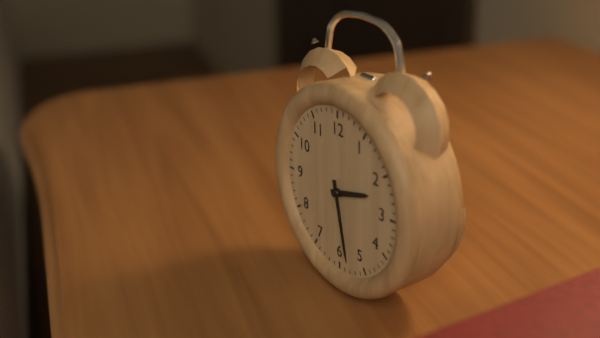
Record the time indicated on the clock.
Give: 2:28
